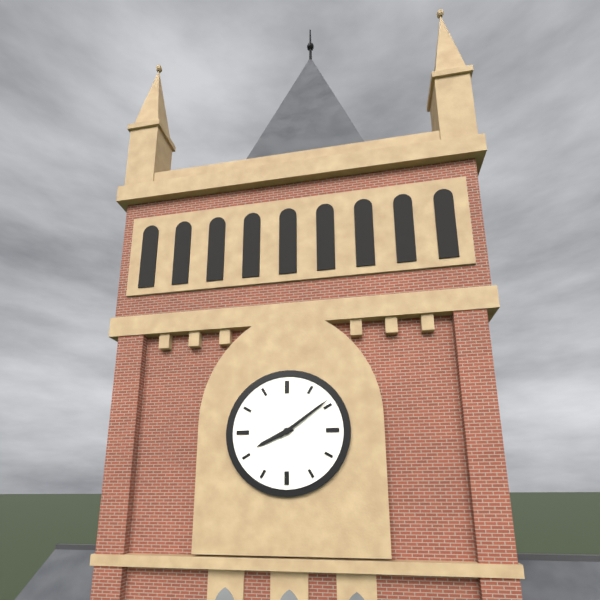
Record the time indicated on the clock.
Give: 8:09
